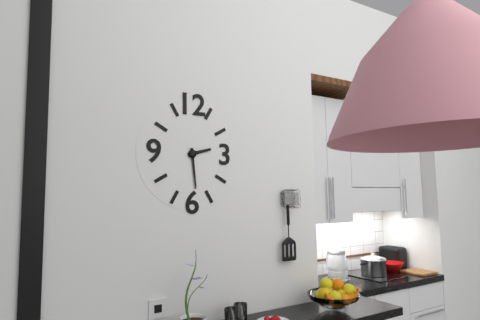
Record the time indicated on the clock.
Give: 2:29
